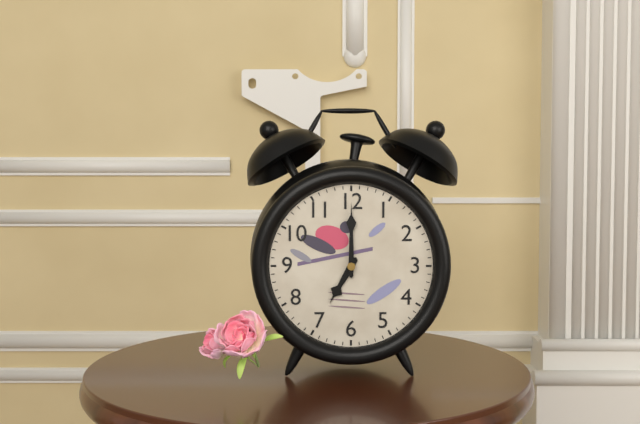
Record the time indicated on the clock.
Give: 7:00
